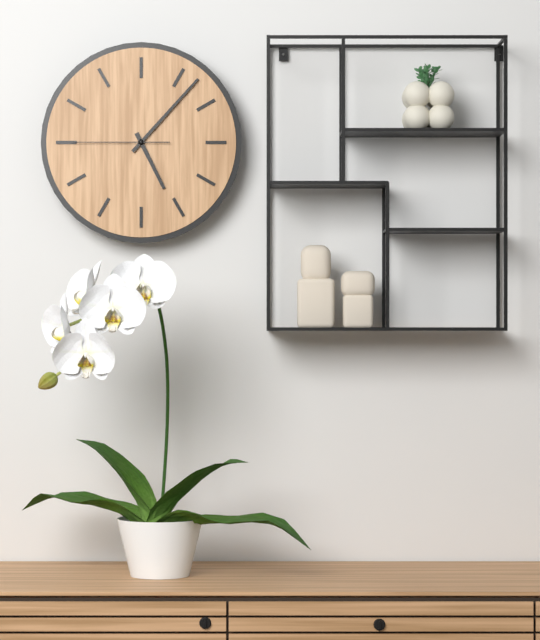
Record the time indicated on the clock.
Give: 5:07:45
